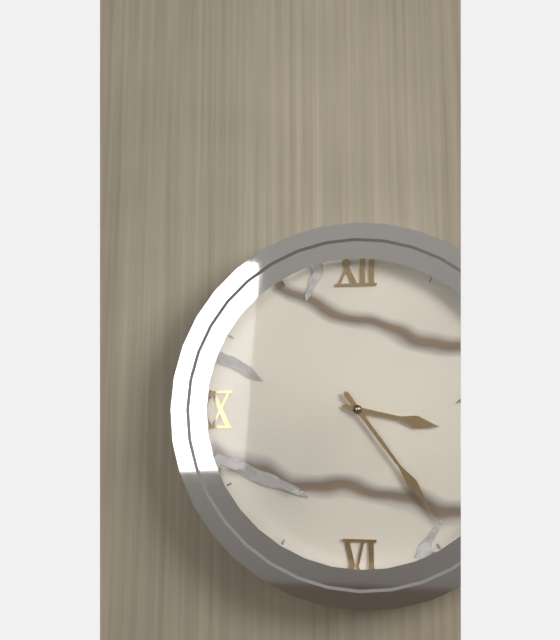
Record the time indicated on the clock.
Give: 3:24
